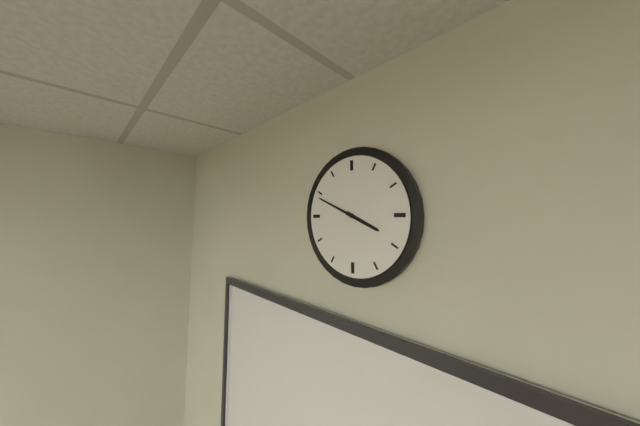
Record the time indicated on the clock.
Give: 3:49
